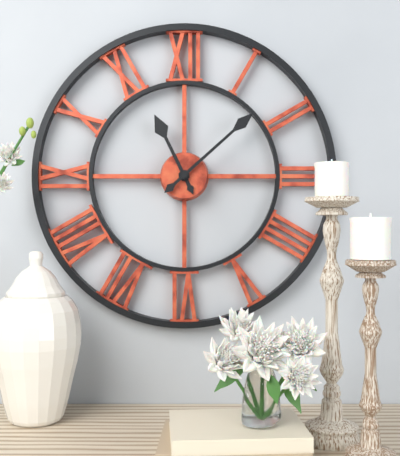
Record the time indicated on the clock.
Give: 11:08
